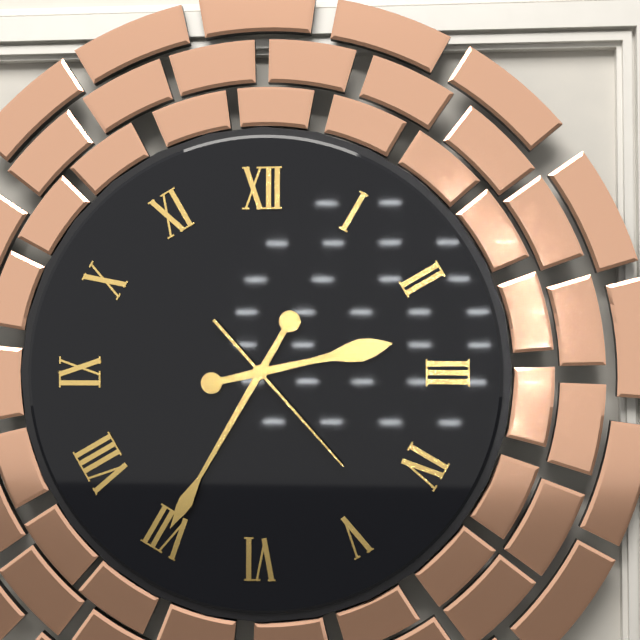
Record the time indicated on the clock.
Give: 2:35:23
